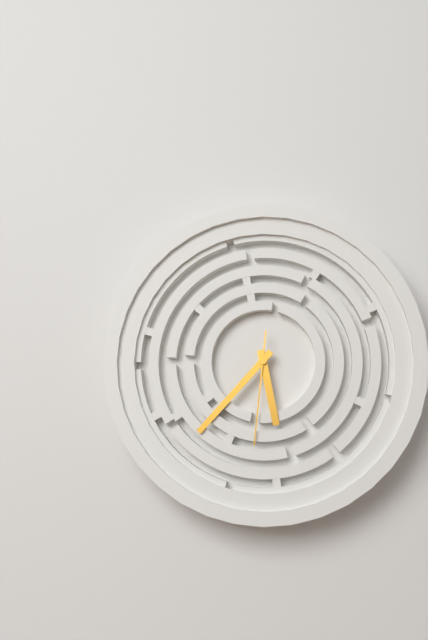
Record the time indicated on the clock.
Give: 5:37:31
